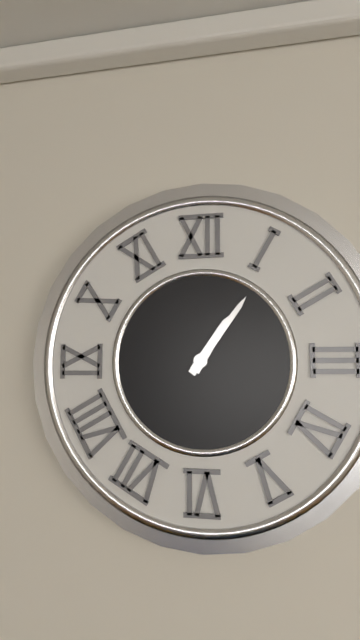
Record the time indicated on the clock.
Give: 1:06
